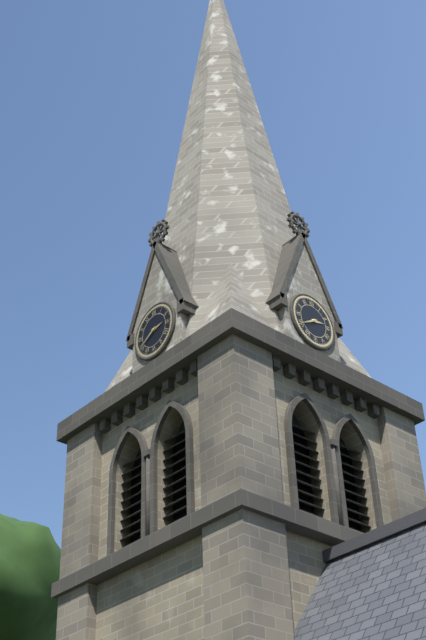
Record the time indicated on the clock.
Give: 2:40
